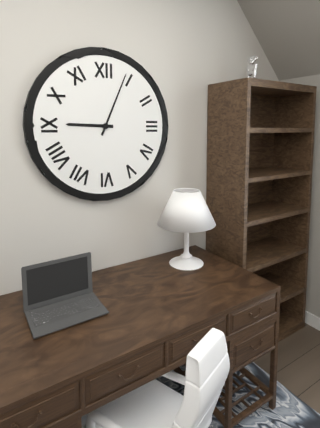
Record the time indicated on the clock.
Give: 9:04
